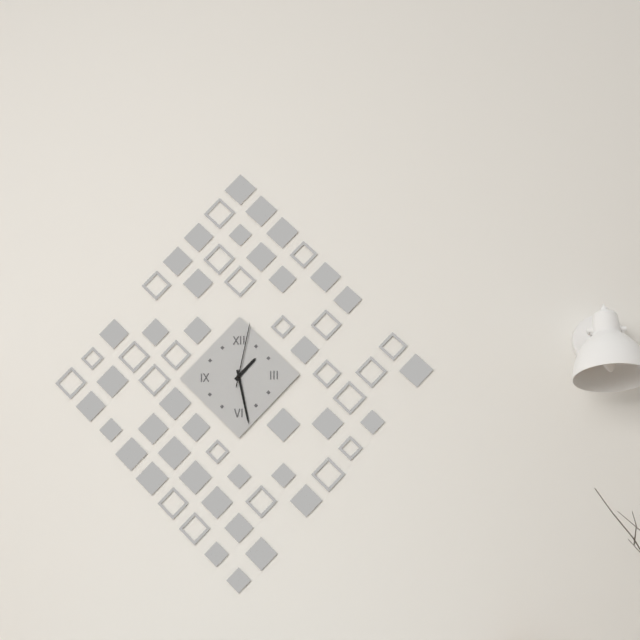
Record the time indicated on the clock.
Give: 1:28:02
